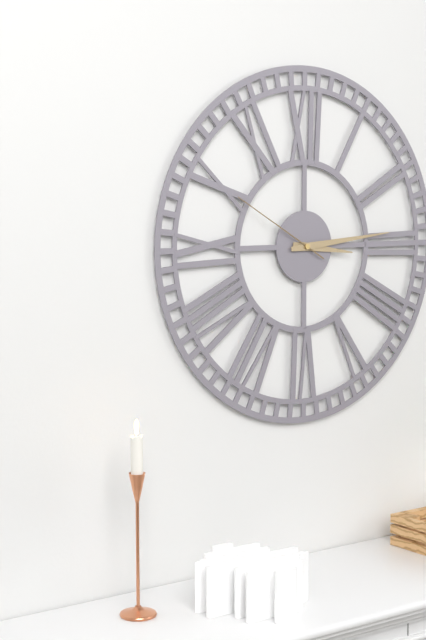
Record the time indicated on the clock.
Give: 3:14:50
